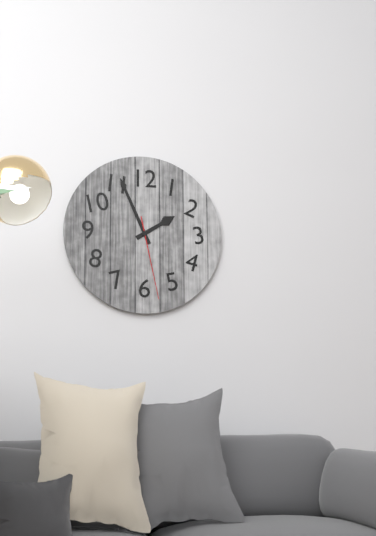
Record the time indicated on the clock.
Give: 1:56:28
